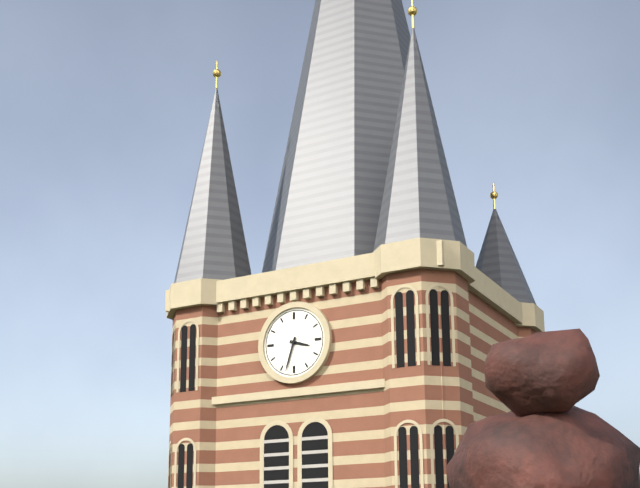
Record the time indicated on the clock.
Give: 3:33
